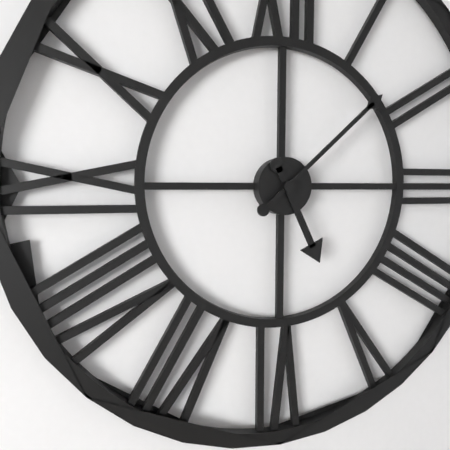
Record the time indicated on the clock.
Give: 5:08
